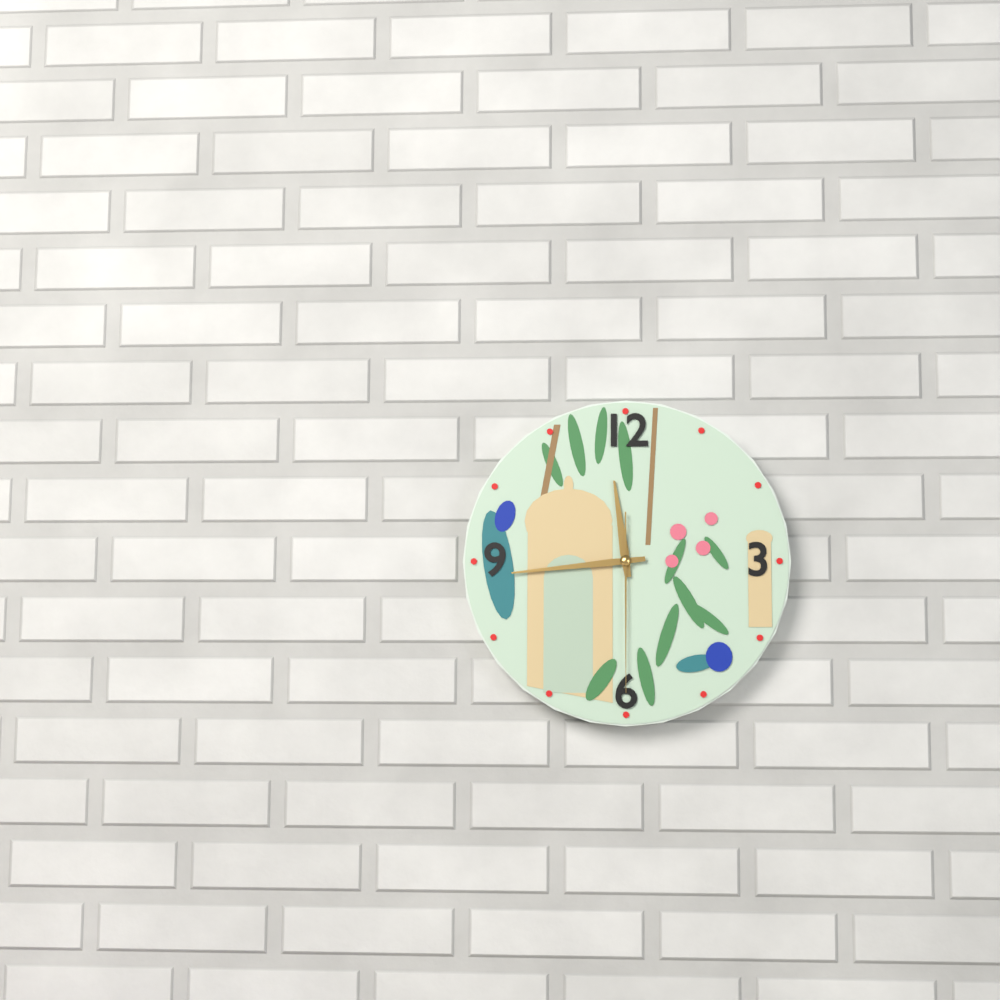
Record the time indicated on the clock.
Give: 11:44:30
